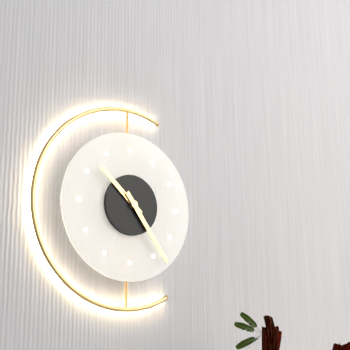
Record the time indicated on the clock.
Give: 10:24
